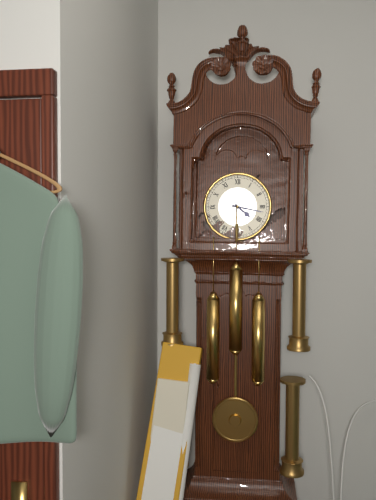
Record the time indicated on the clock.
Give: 4:17
